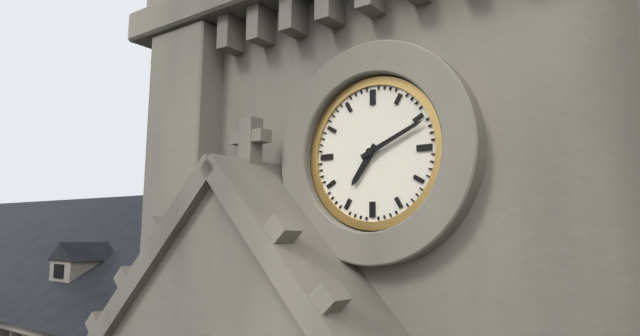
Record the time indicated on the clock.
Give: 7:11
